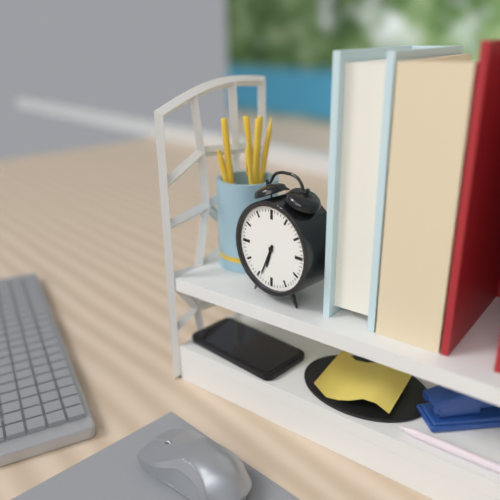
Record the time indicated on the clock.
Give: 6:34
